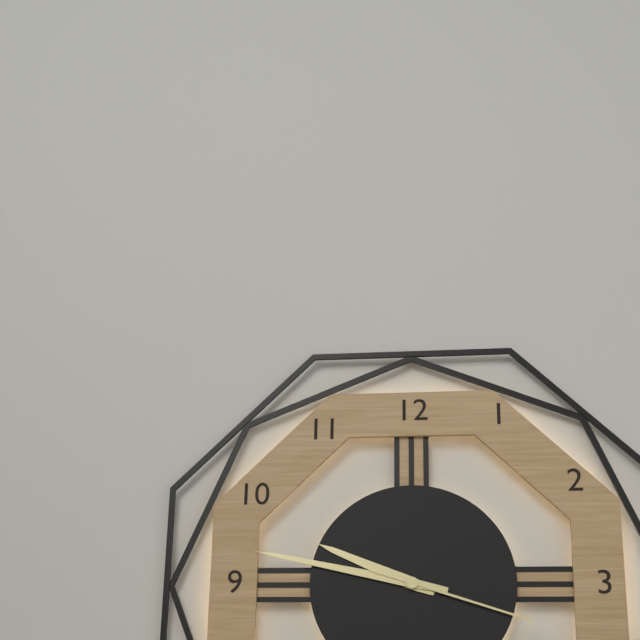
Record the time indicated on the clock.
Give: 9:47:18
